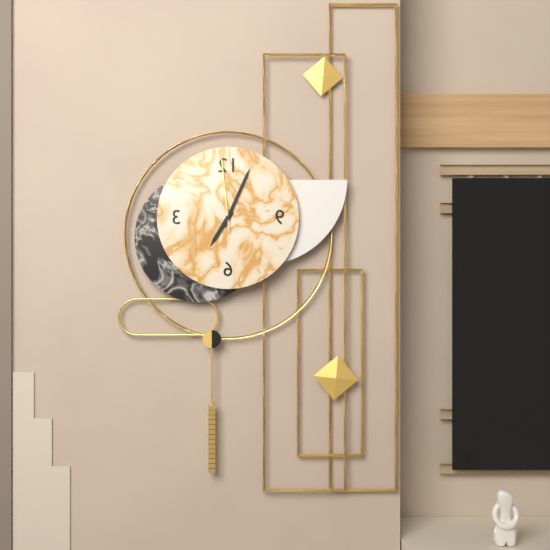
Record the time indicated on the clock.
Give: 7:04:59
